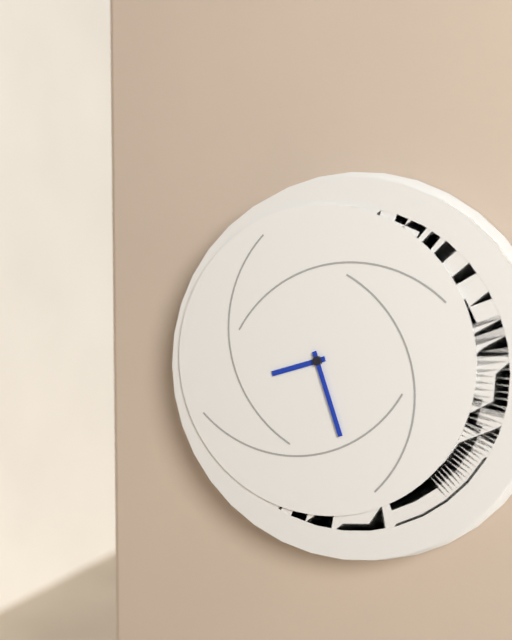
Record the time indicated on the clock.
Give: 8:27
